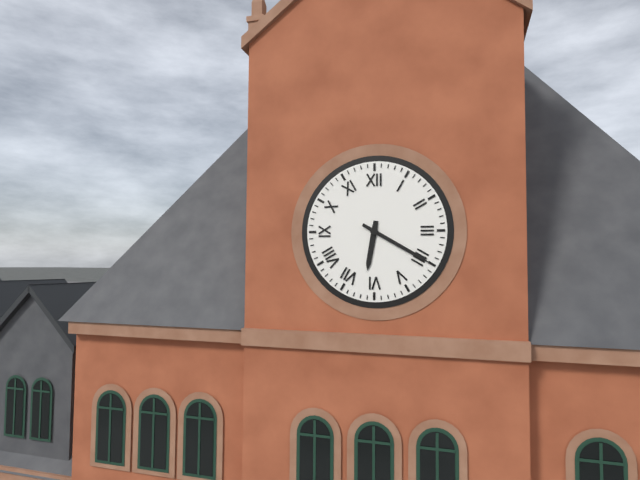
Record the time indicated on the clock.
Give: 6:20
